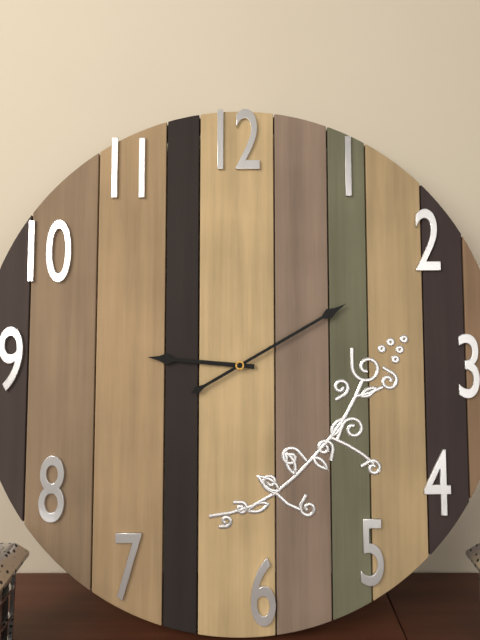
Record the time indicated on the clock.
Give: 9:10
